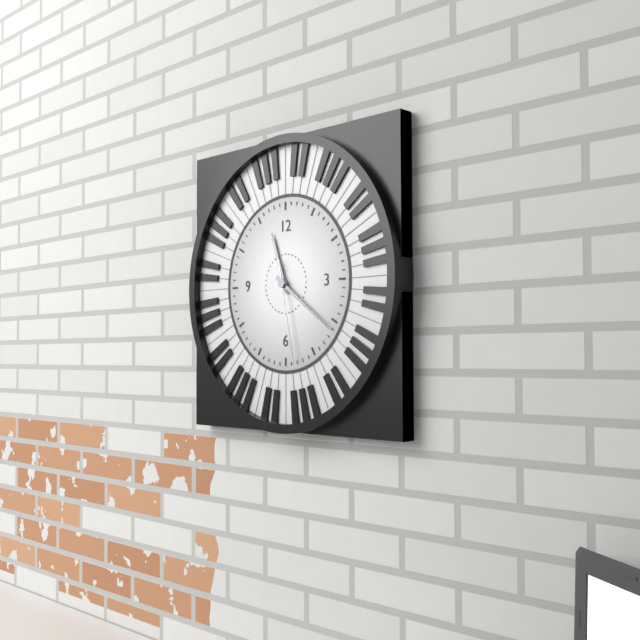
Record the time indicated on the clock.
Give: 11:21:28
